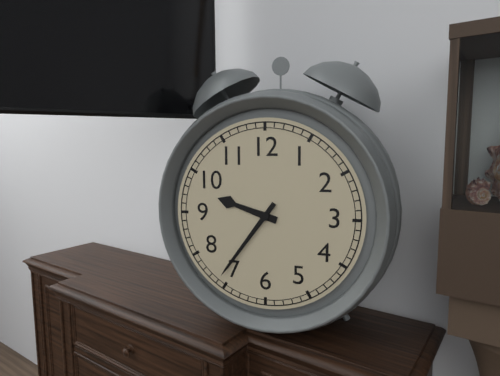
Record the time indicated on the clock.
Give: 9:36
